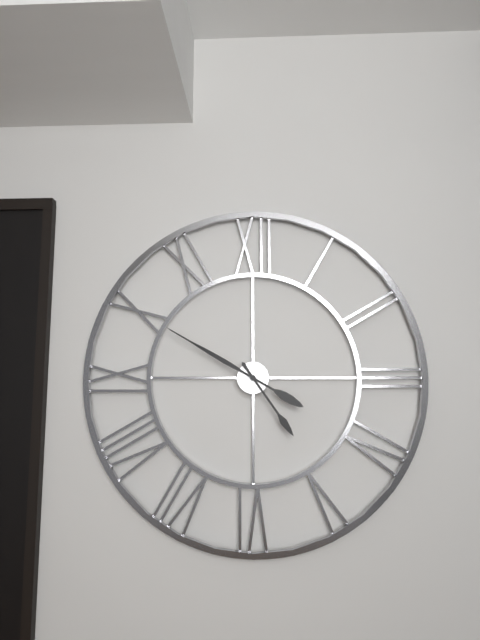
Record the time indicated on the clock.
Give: 4:50
